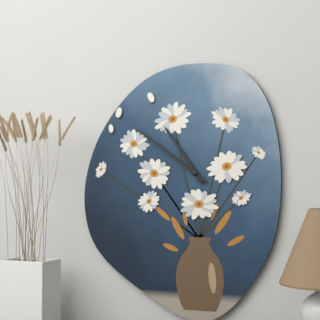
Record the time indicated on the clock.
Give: 10:51
